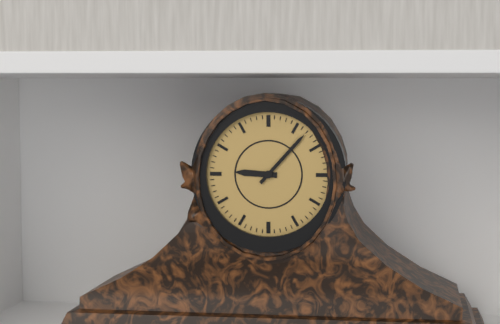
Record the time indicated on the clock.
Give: 9:07
